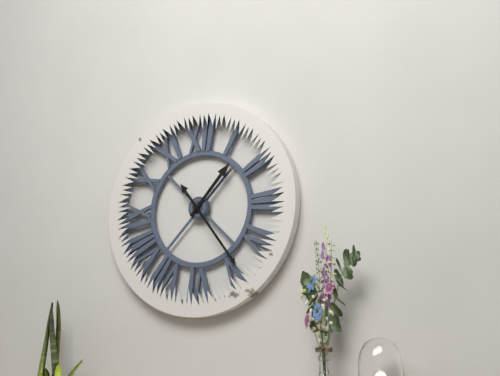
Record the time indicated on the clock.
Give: 1:24
